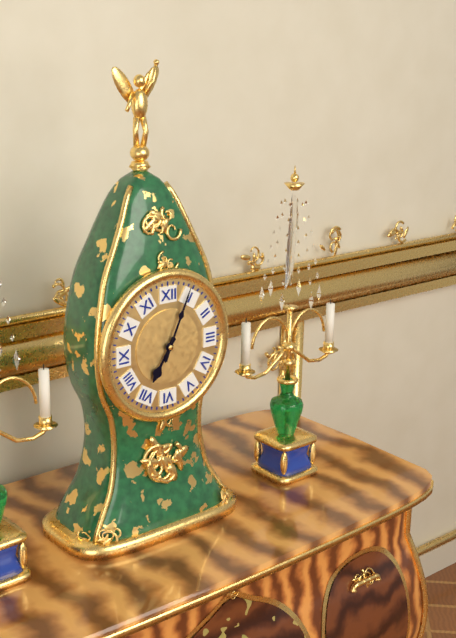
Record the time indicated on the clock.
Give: 7:04
